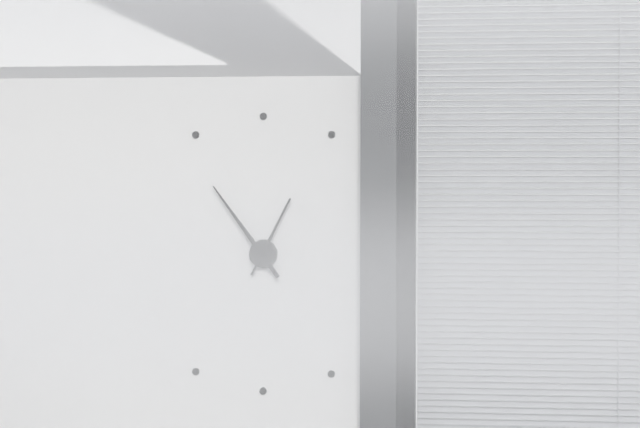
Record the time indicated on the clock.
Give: 12:54
